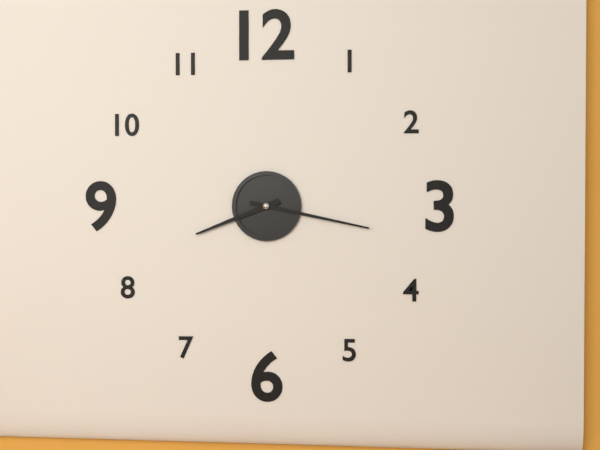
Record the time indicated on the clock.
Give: 8:17
